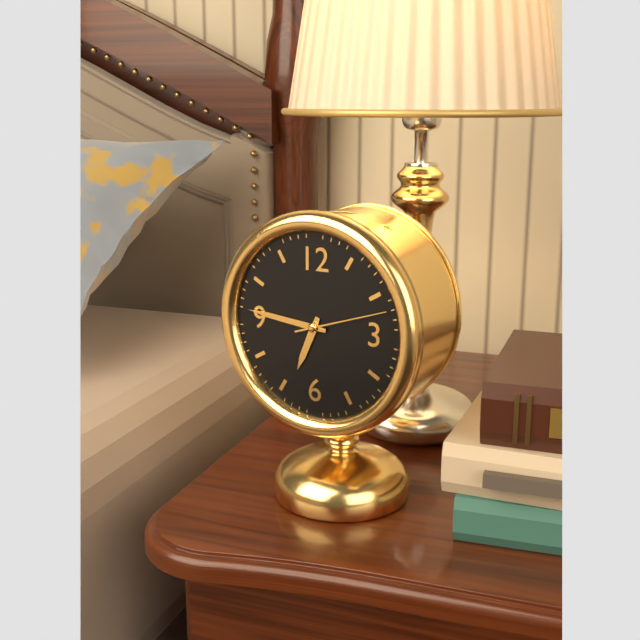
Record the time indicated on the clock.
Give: 6:46:12
